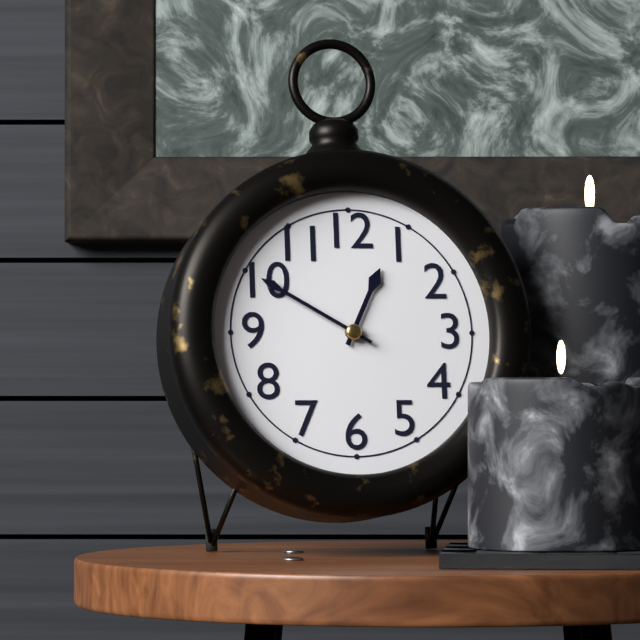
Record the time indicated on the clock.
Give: 12:50
